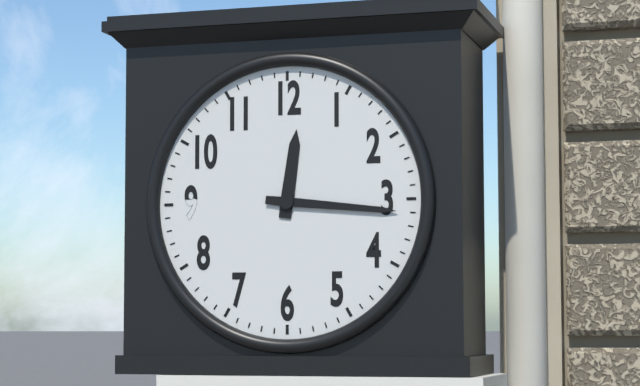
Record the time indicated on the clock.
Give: 12:16
